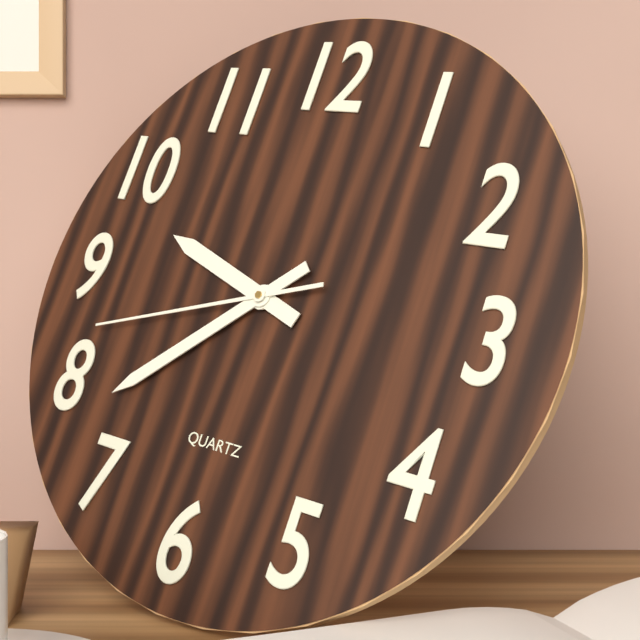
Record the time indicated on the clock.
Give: 9:38:42
